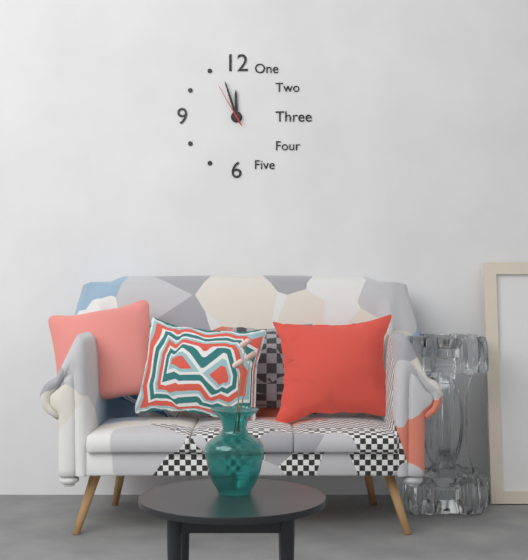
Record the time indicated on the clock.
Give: 11:57
